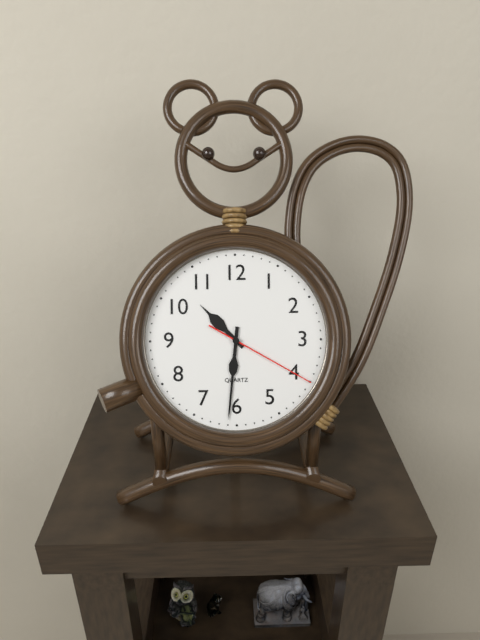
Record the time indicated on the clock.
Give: 10:31:20
